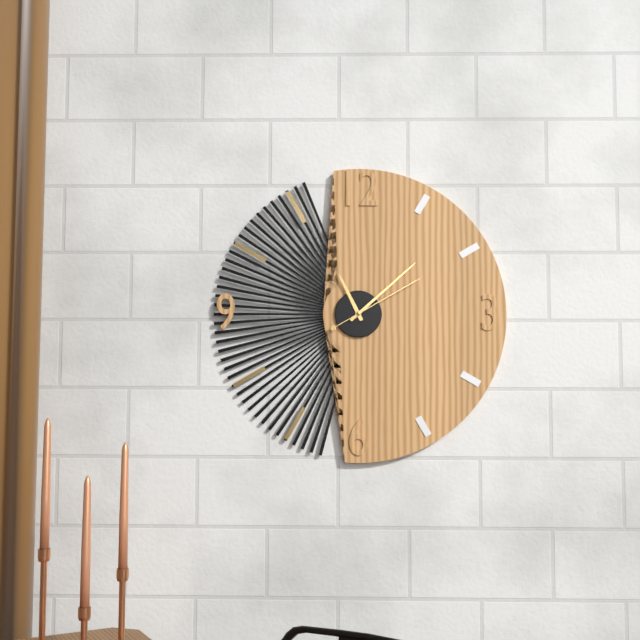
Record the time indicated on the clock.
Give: 11:08:10
